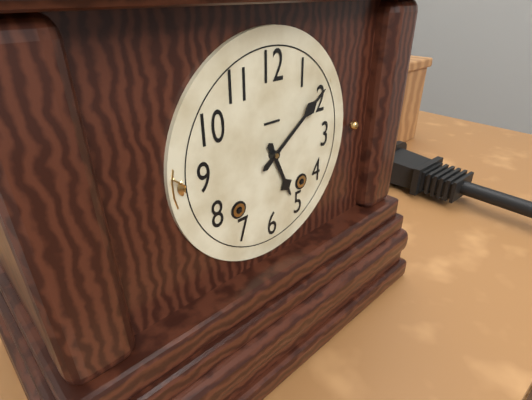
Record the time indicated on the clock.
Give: 5:09
